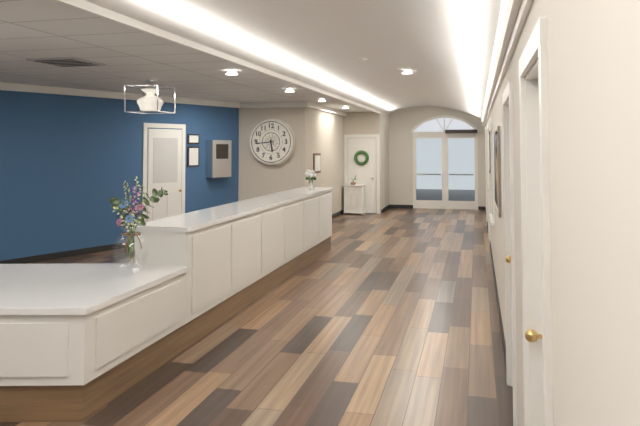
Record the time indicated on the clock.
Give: 5:44
